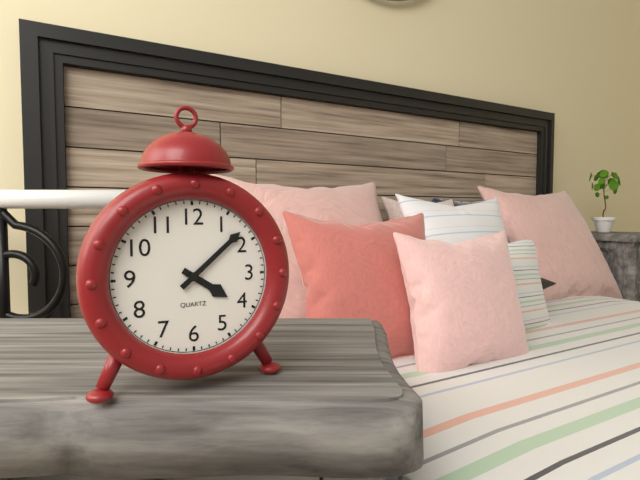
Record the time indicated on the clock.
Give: 4:08
